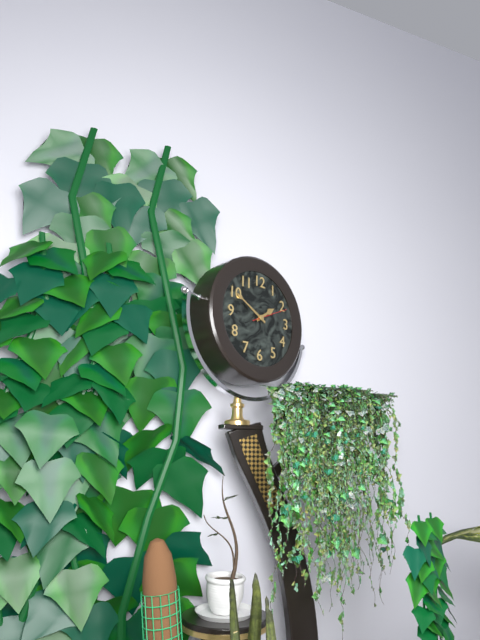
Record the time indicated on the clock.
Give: 1:50
